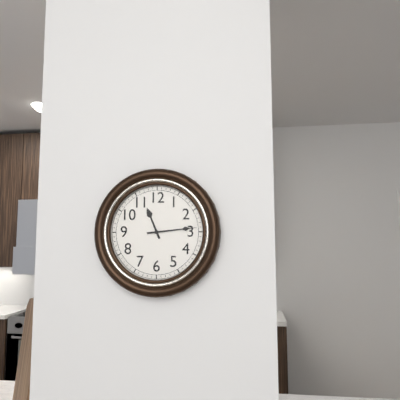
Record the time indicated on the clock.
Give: 11:14
